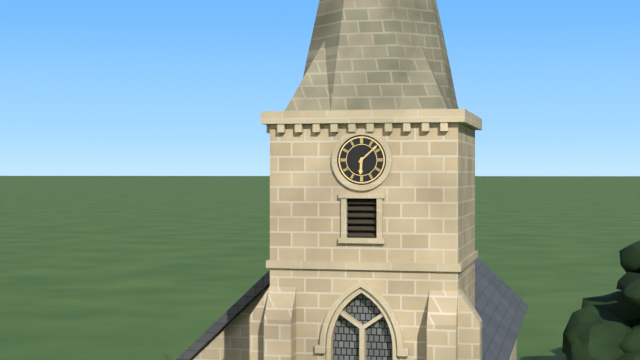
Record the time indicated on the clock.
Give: 6:08
